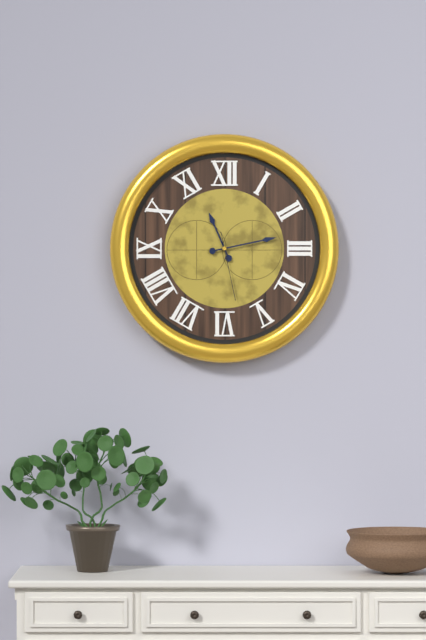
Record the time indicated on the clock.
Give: 11:13:28
